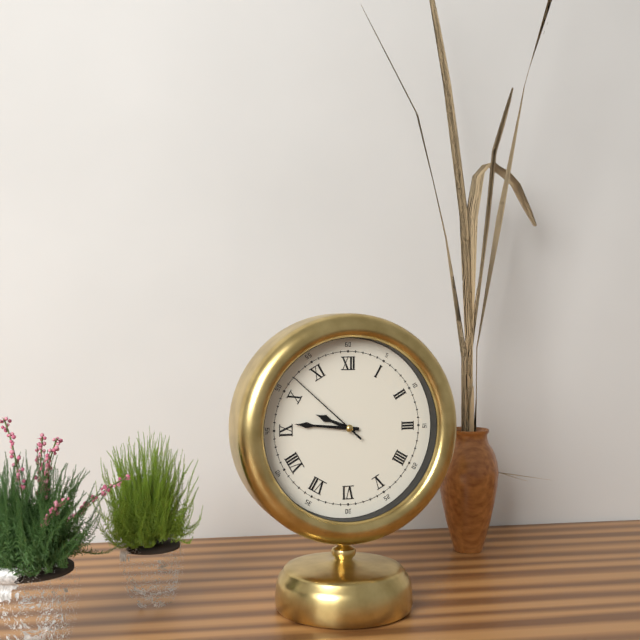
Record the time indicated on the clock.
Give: 9:46:52
